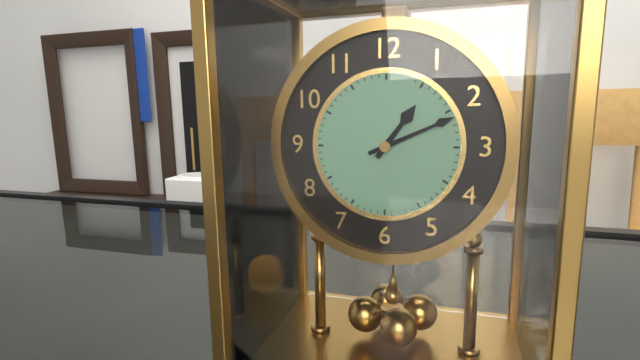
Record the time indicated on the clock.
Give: 1:11
